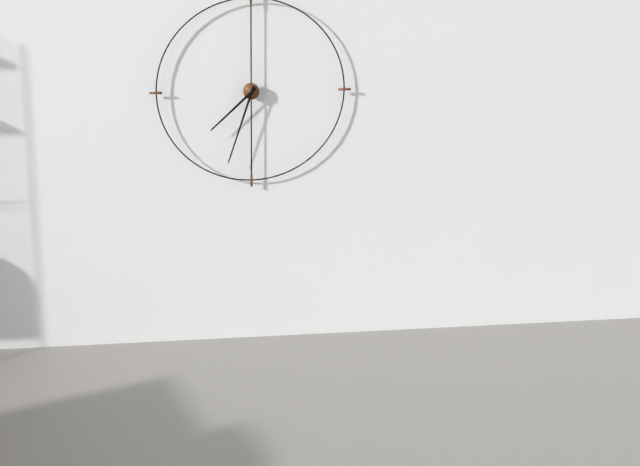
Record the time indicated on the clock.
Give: 7:33
